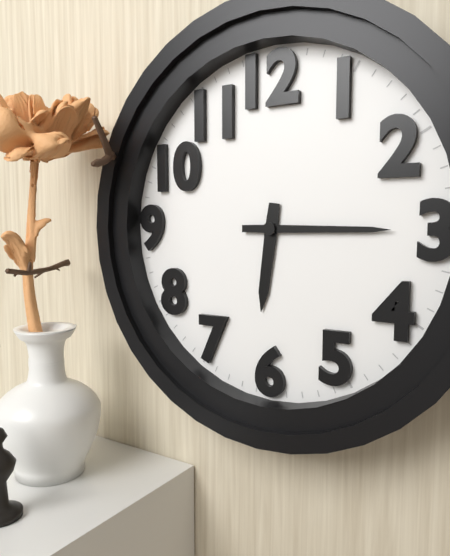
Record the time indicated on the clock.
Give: 6:15
